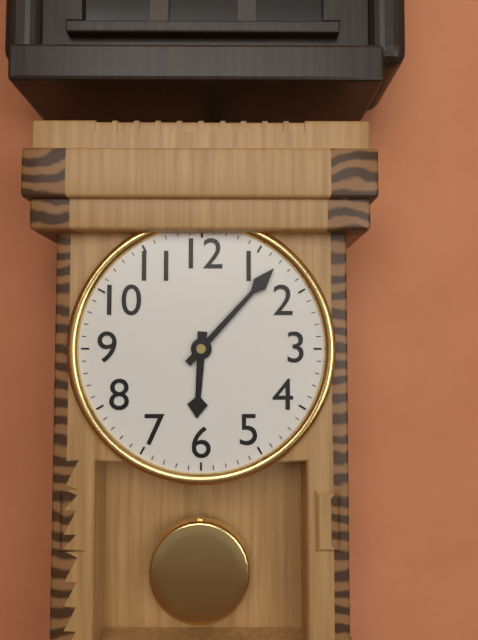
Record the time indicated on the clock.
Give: 6:07
